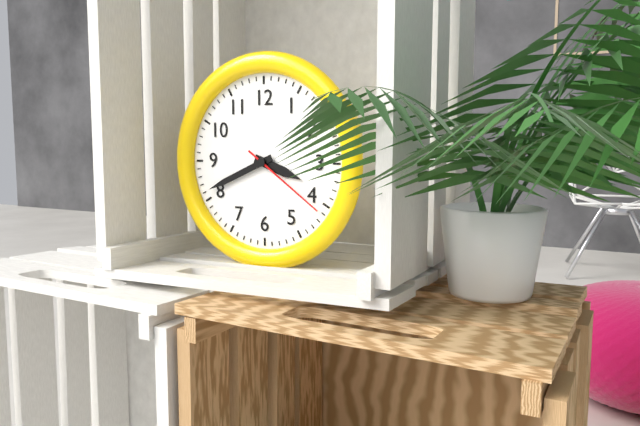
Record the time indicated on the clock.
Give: 3:41:21
